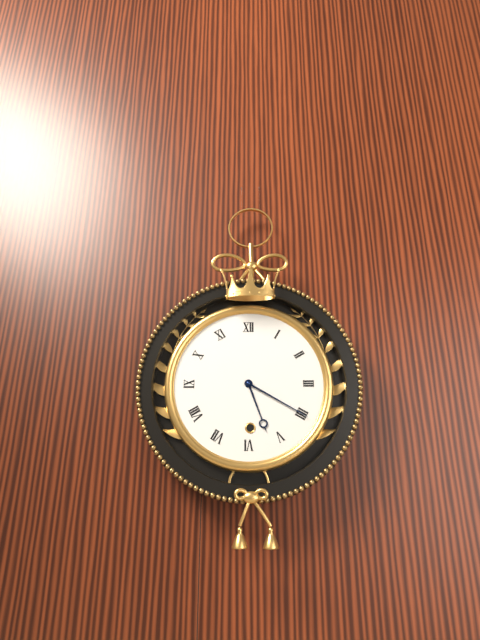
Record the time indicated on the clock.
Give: 5:20
